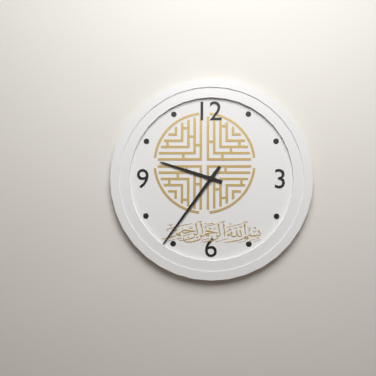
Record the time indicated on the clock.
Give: 9:36
